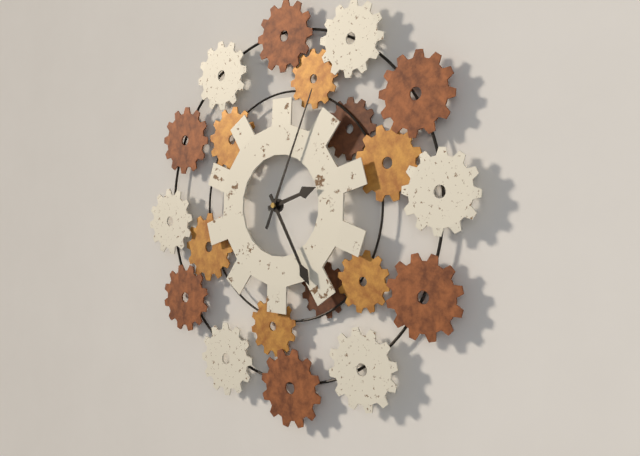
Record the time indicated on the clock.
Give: 2:25:04
